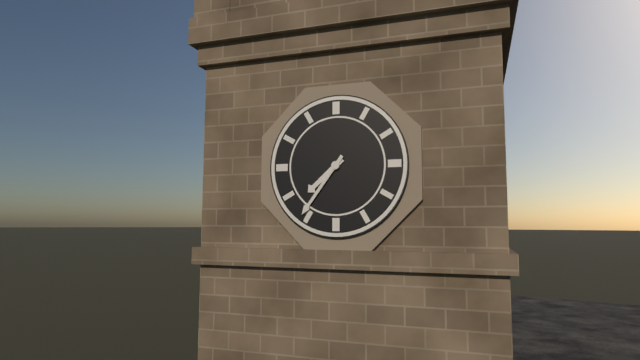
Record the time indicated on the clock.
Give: 7:36
